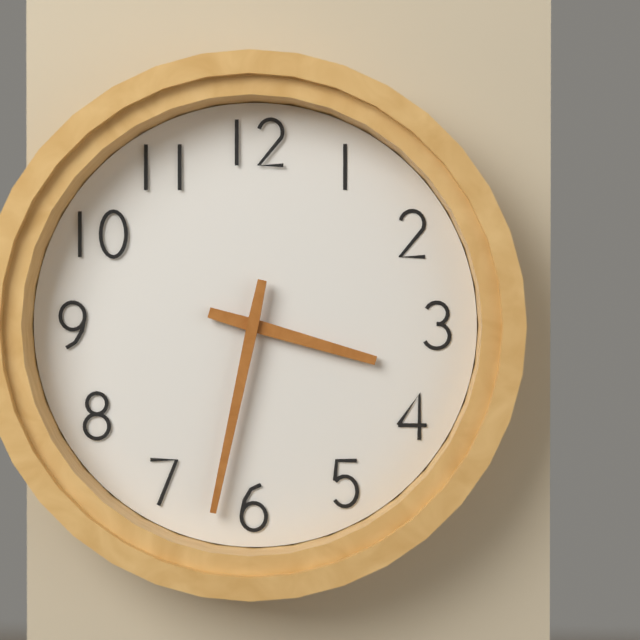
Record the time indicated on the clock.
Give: 3:32
